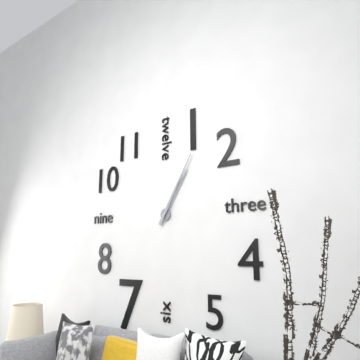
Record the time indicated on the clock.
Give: 1:05
